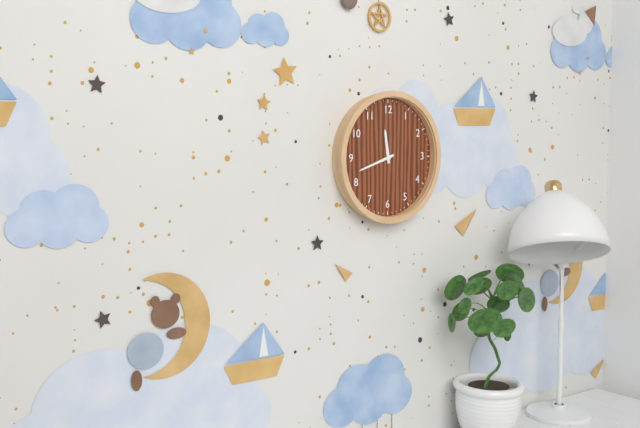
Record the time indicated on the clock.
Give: 11:42
